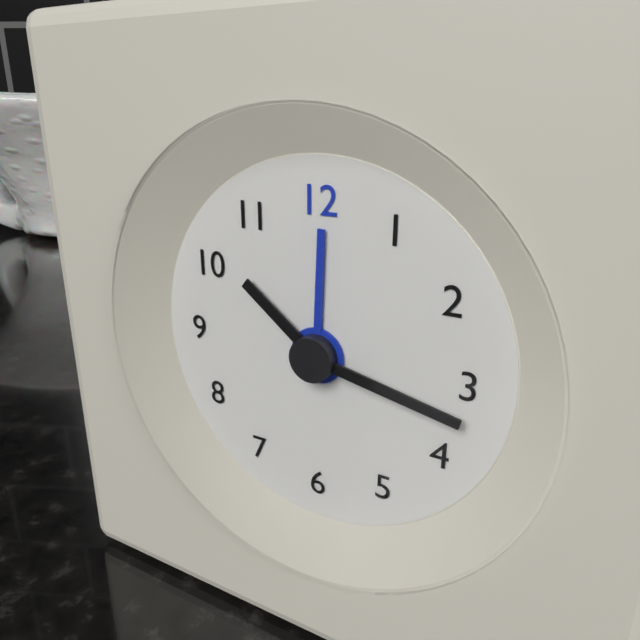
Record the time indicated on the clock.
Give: 10:17
